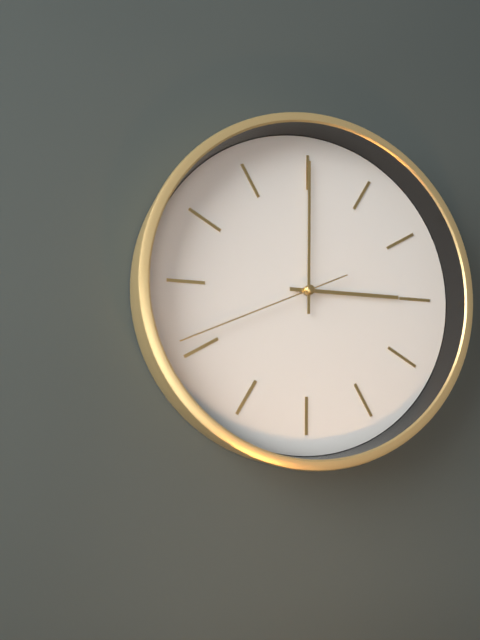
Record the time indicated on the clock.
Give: 3:00:41
